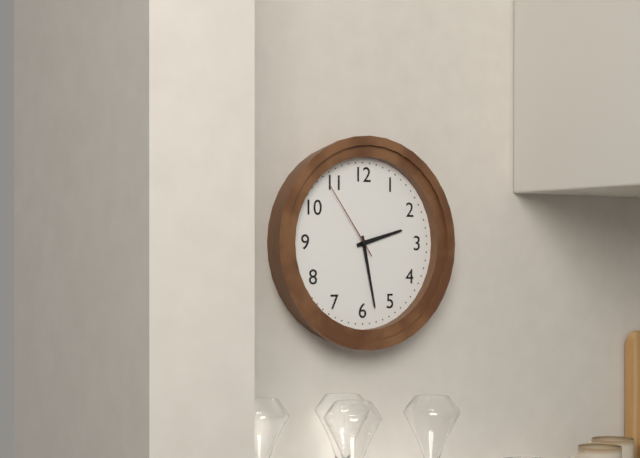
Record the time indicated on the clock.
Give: 2:28:54
